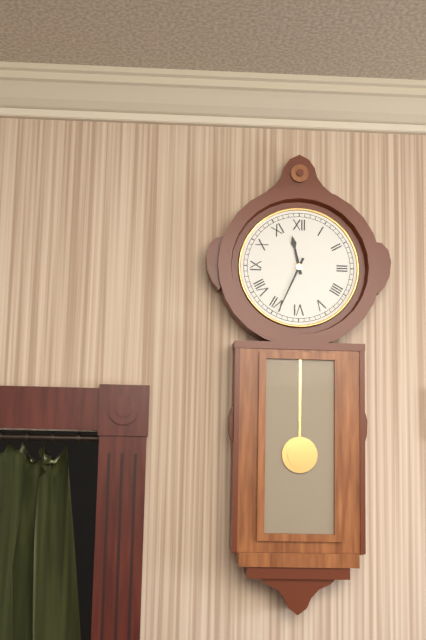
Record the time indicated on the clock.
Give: 11:34
